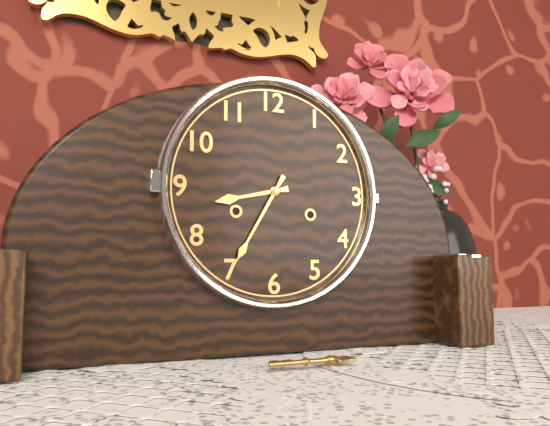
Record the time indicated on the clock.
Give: 8:35
